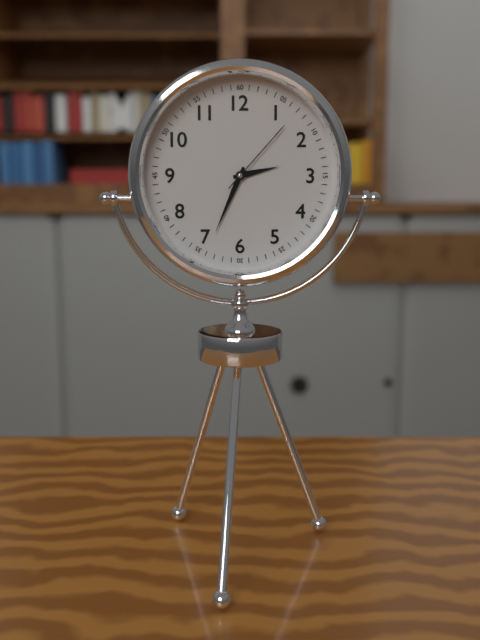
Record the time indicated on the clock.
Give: 2:34:07
